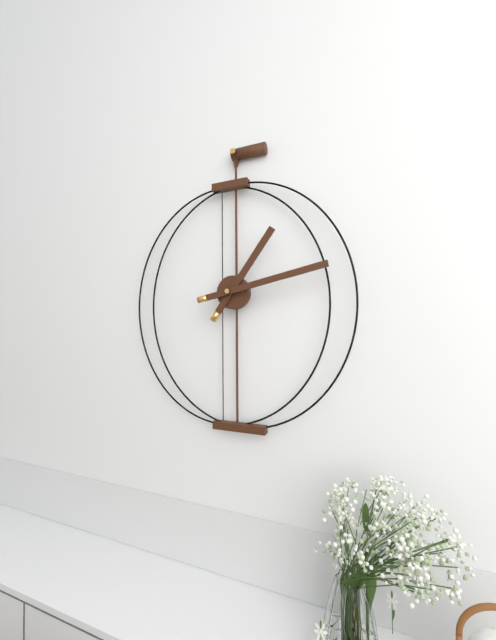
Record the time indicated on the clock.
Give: 1:13
